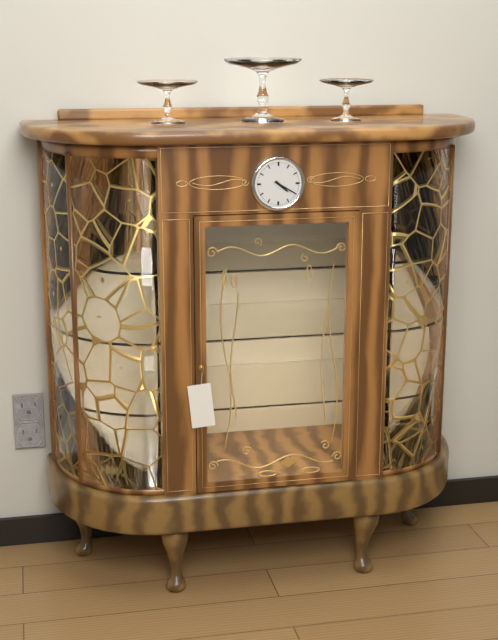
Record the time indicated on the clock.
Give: 4:20
